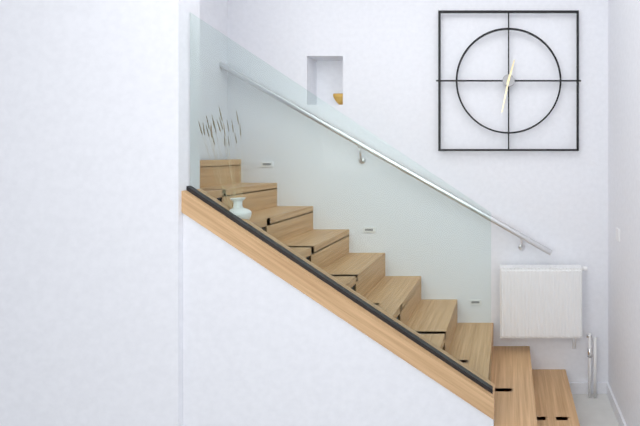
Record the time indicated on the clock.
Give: 12:32
